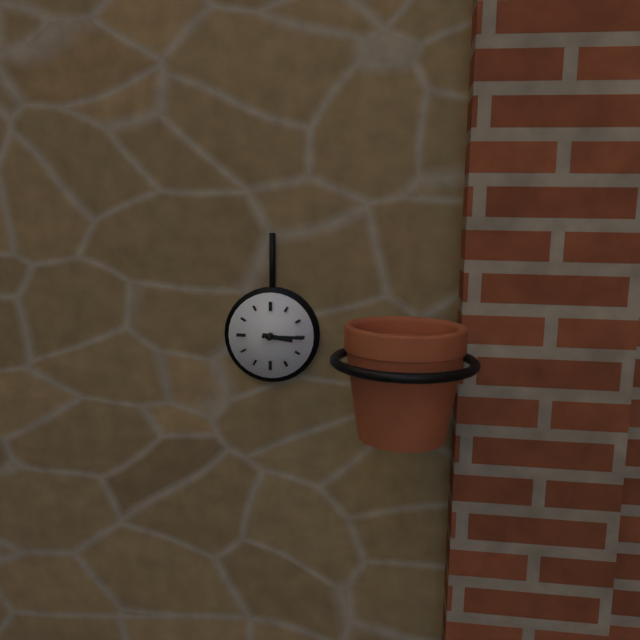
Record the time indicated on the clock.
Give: 3:15
